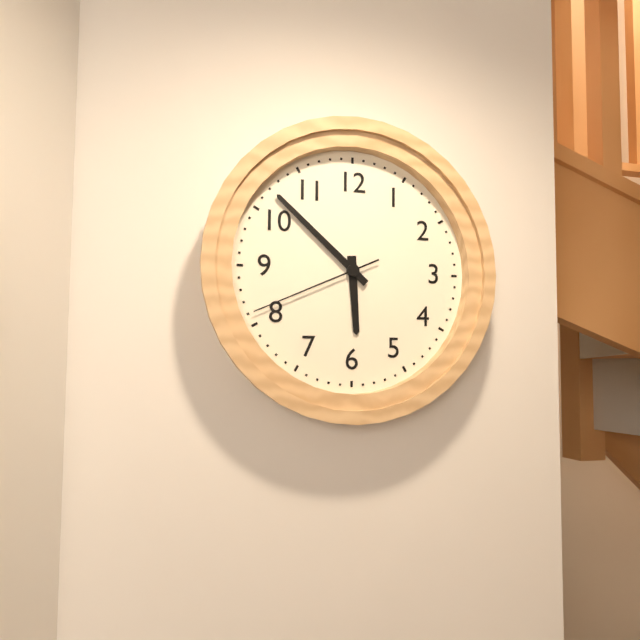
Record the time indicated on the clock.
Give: 5:52:41
